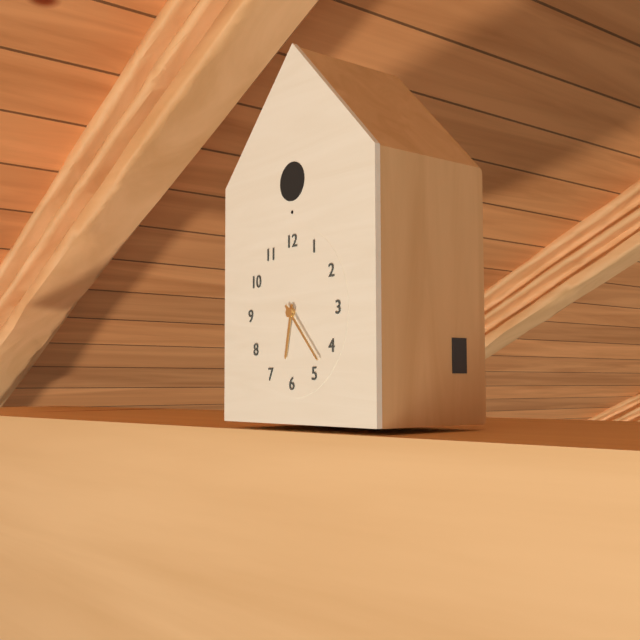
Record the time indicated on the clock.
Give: 6:23
